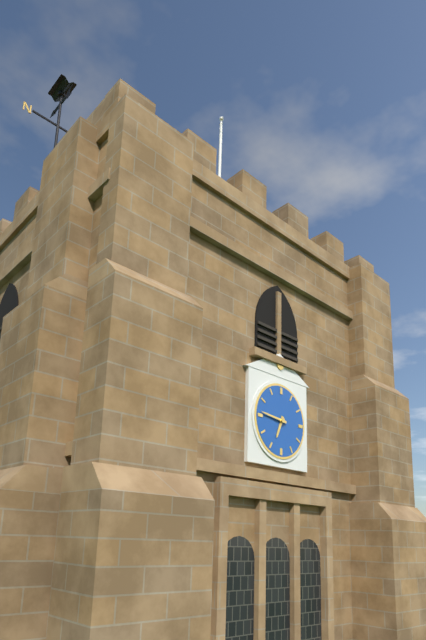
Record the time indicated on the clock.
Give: 6:46
